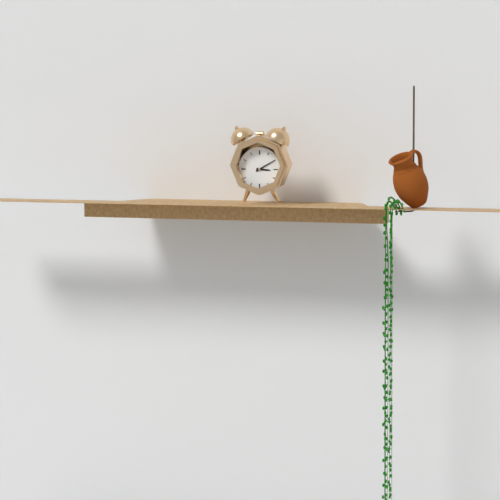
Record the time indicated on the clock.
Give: 3:10
